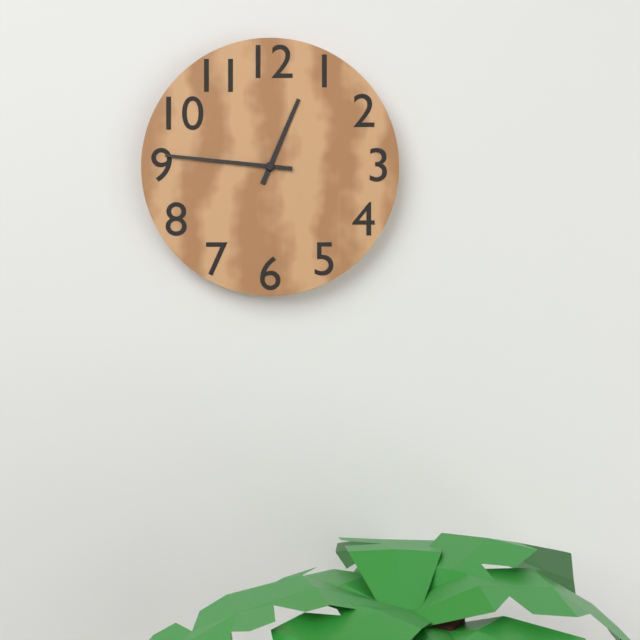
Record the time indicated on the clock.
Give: 12:46
